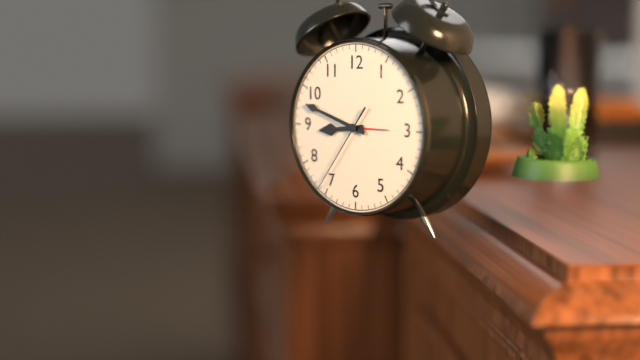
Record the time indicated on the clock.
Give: 8:48:36
